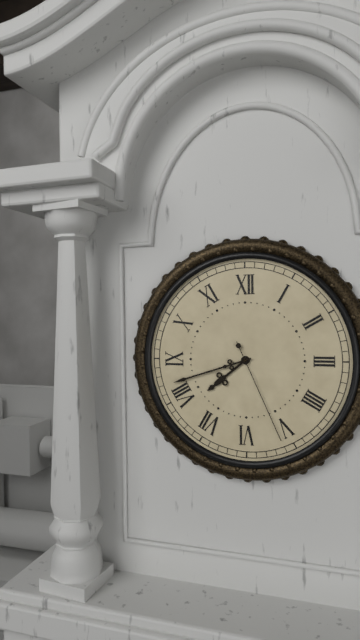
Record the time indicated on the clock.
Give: 7:42:26
